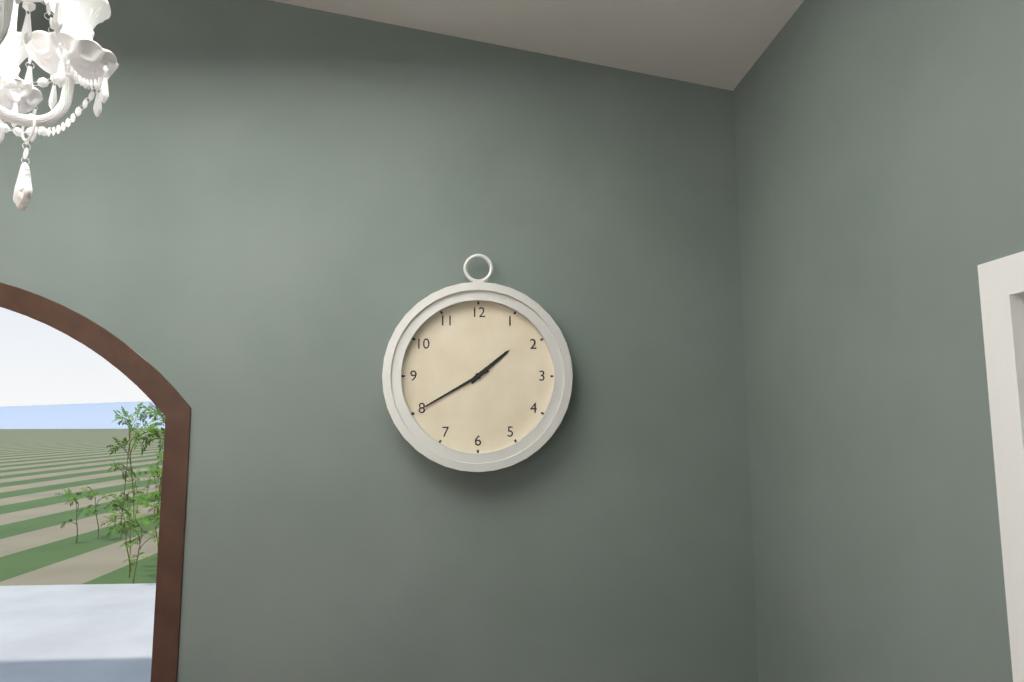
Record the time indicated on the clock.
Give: 1:40
